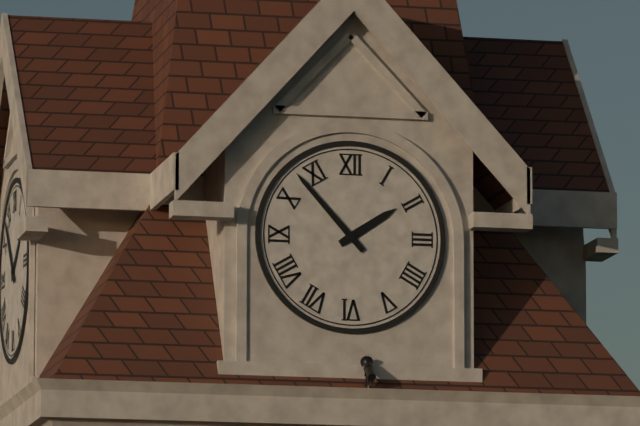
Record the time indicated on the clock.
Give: 1:53
